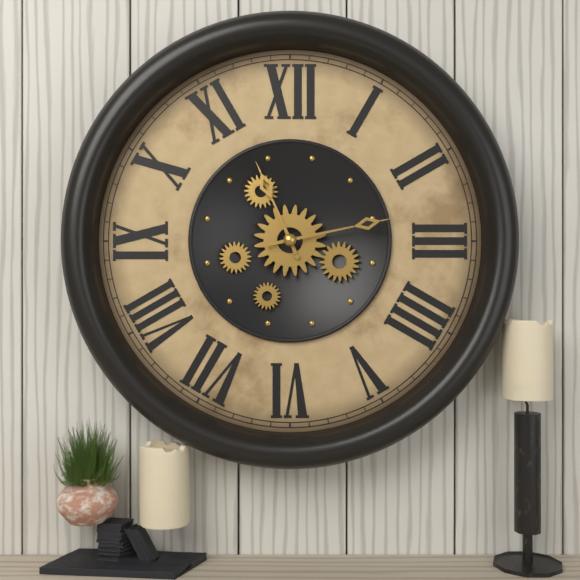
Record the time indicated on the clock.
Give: 11:13
